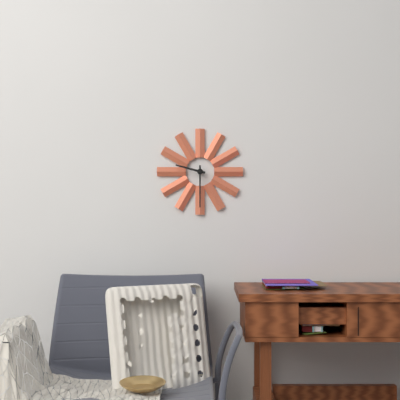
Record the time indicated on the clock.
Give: 9:30
